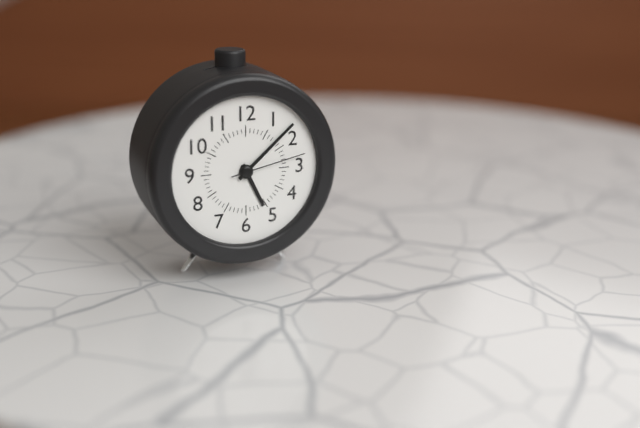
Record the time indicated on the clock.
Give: 5:08:13
